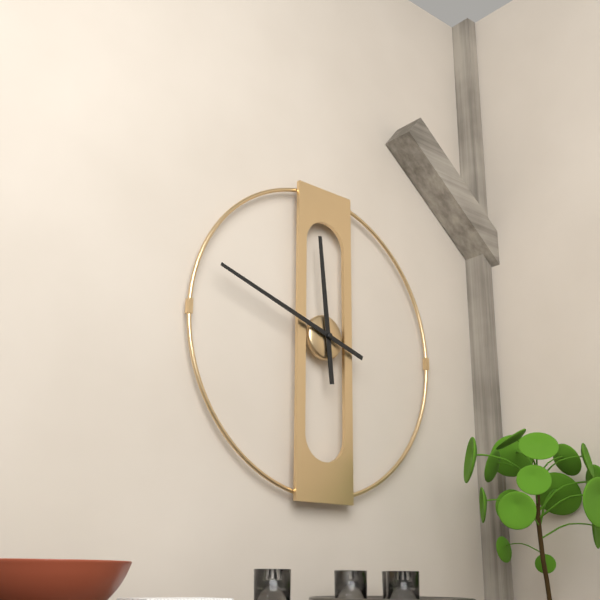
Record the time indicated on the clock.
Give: 11:48
